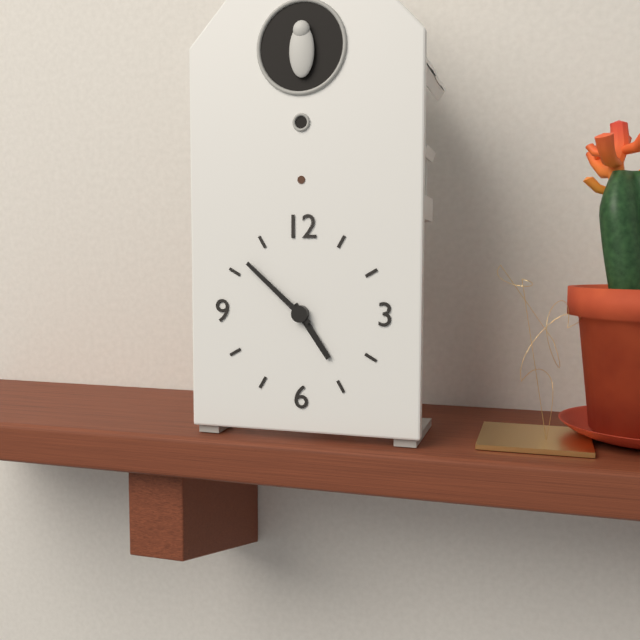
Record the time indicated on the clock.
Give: 4:52
